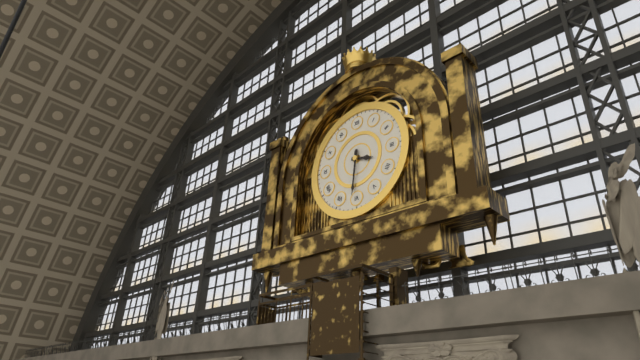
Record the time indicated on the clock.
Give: 3:31
